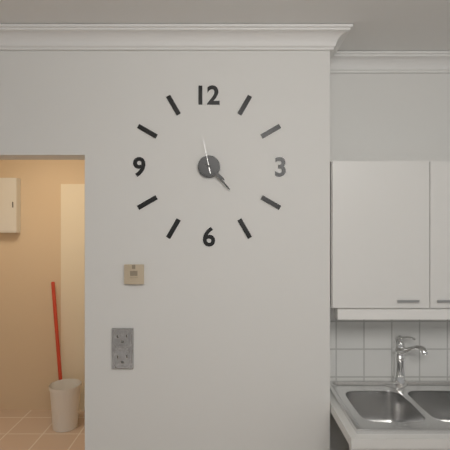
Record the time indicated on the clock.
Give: 4:23
